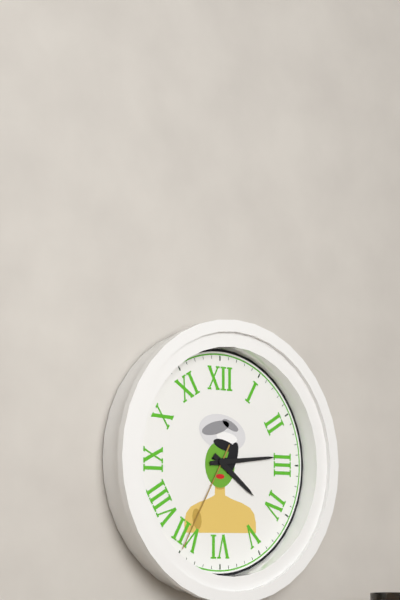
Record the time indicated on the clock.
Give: 4:14:35
